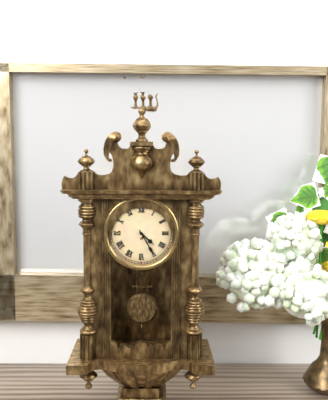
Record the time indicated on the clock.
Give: 4:25
